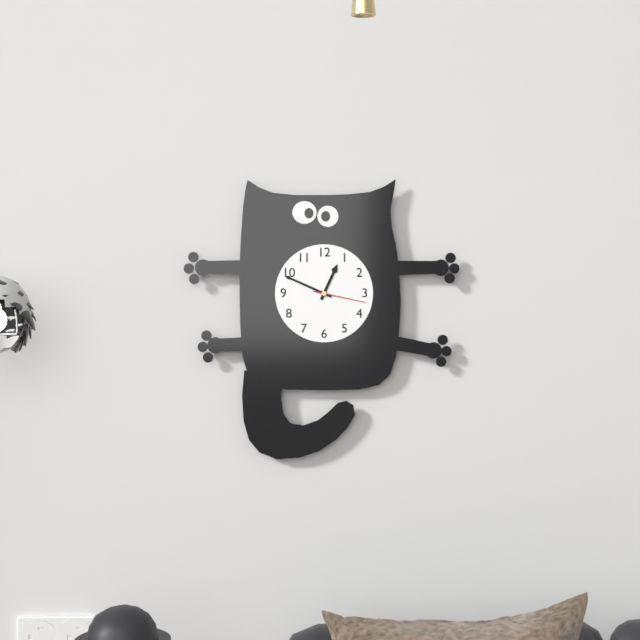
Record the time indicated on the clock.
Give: 12:49:17
